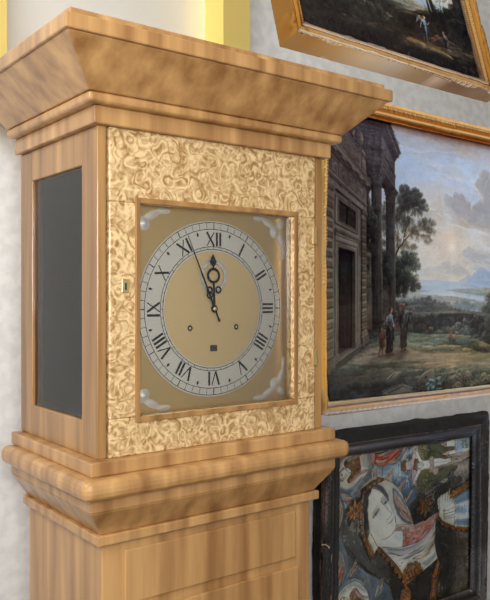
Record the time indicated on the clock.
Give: 11:56
